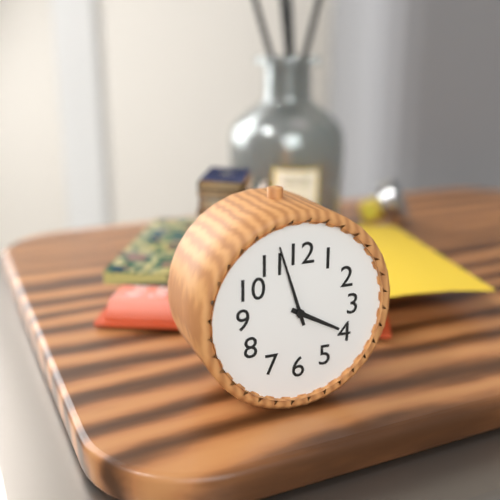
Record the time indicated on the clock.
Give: 3:57
